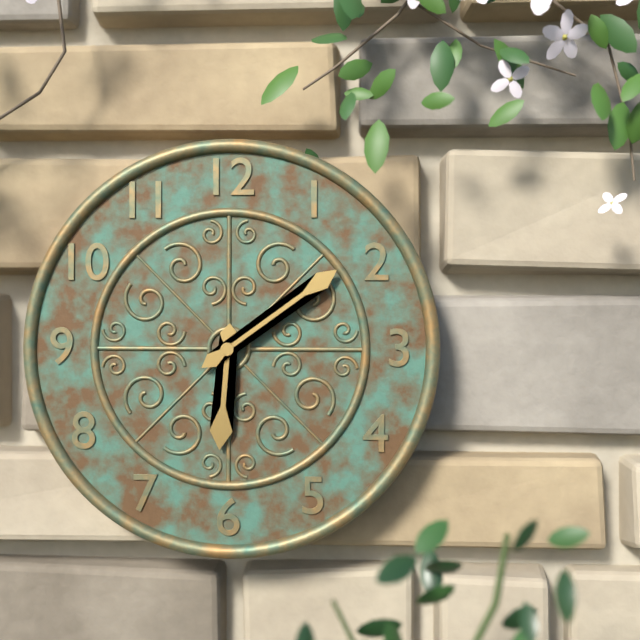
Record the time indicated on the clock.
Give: 6:09
